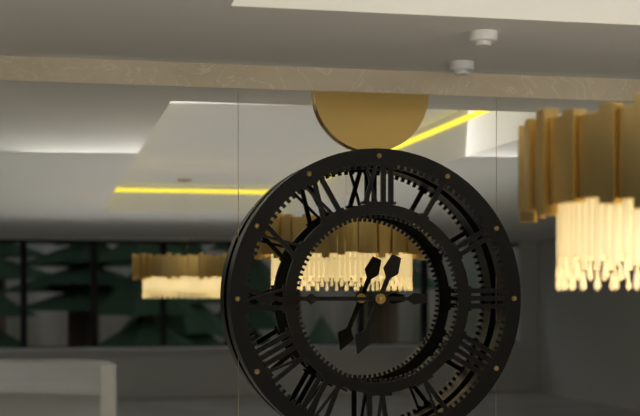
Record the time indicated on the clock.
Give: 6:45
